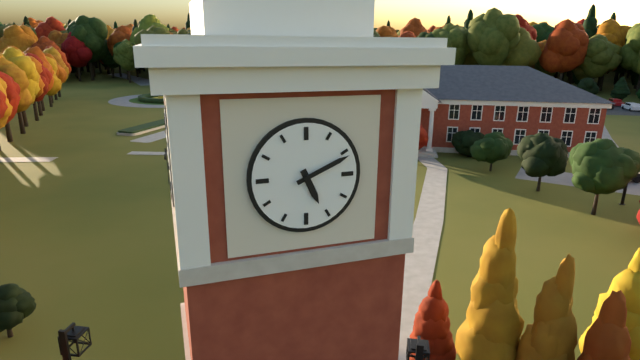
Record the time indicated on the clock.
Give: 5:11
